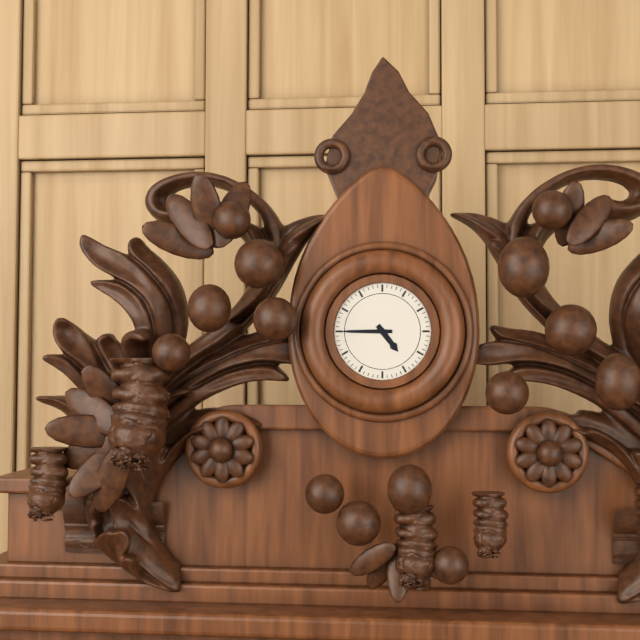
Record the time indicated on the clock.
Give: 4:45
